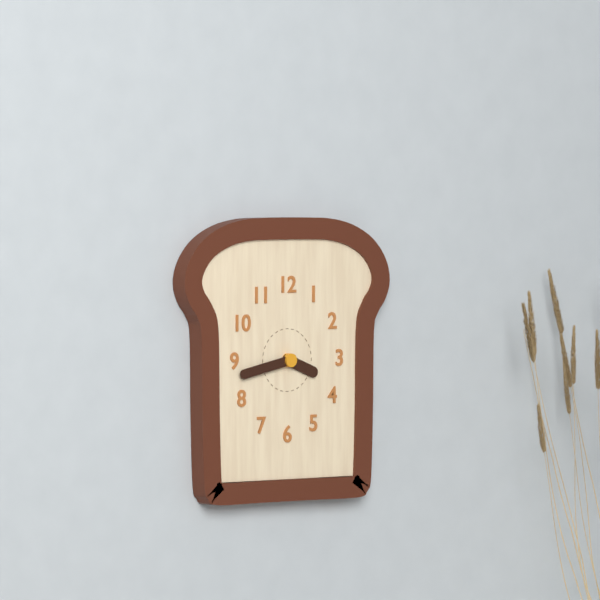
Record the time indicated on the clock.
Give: 3:43
